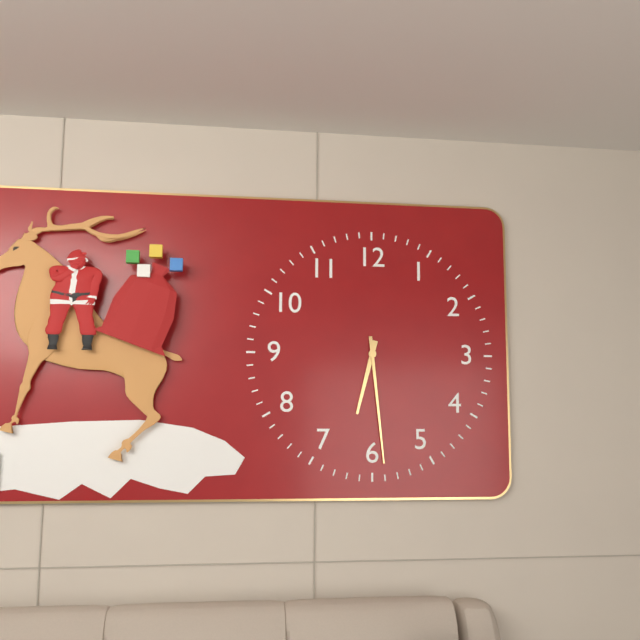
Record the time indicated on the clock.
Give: 6:29
